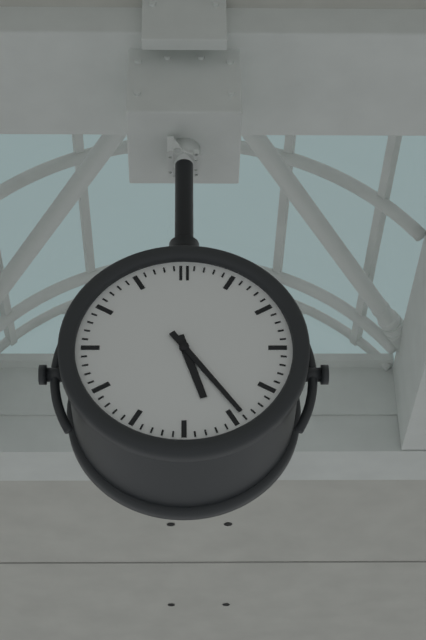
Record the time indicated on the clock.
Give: 5:24
